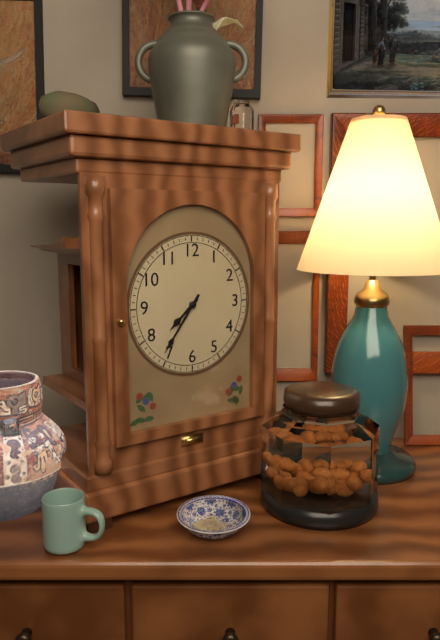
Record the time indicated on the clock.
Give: 7:36
